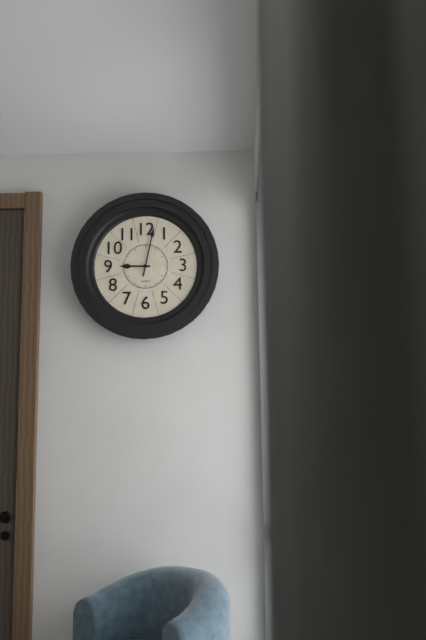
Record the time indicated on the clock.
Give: 9:02
